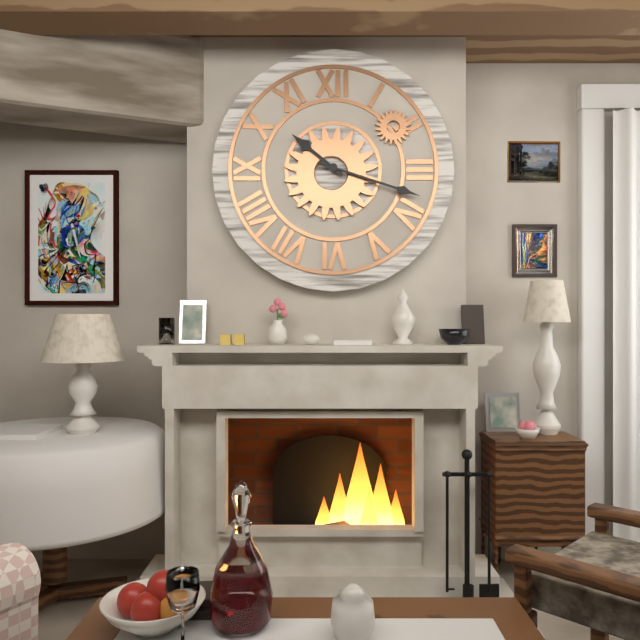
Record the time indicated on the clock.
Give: 10:18
